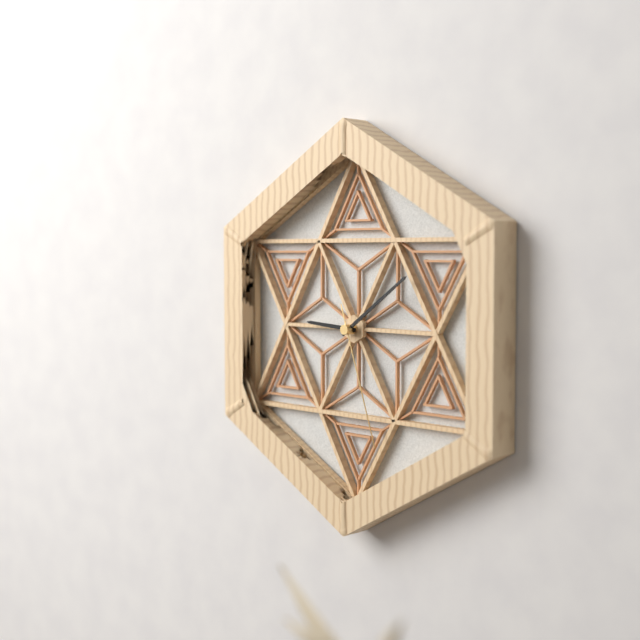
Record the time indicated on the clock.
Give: 9:09:27
